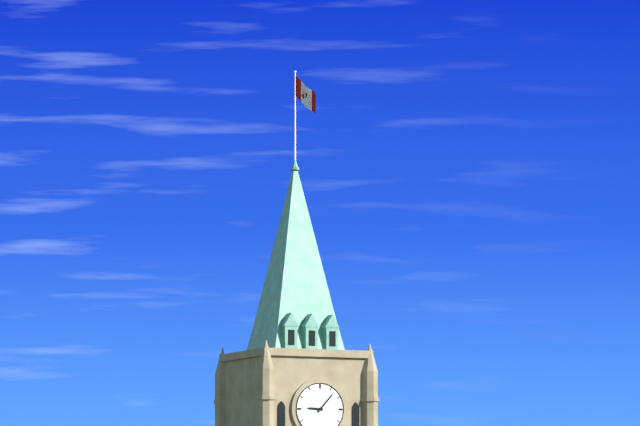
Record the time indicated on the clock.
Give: 9:07
